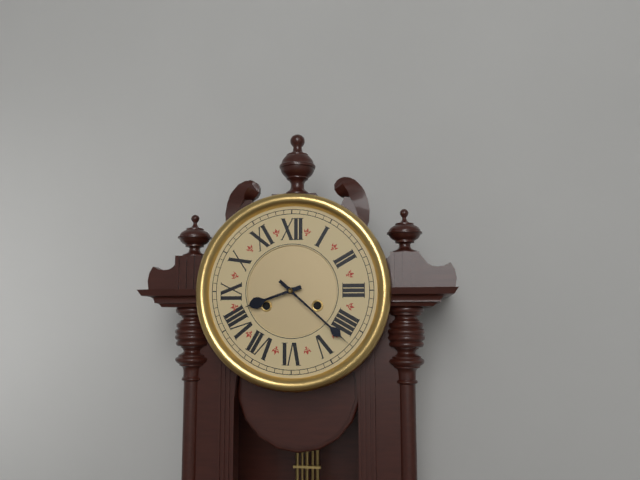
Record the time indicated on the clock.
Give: 8:22
